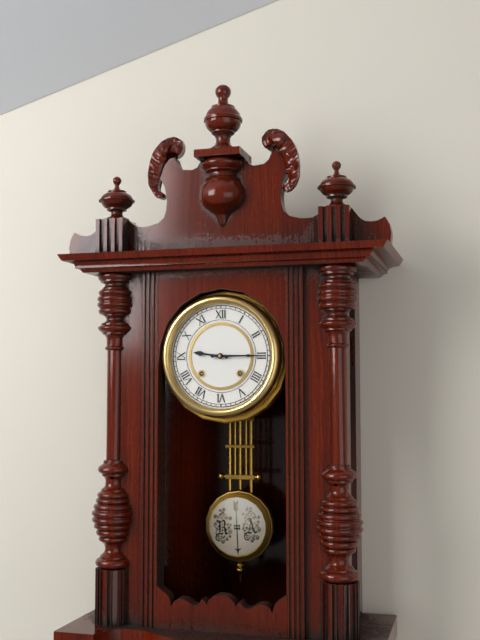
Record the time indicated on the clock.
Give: 9:15
